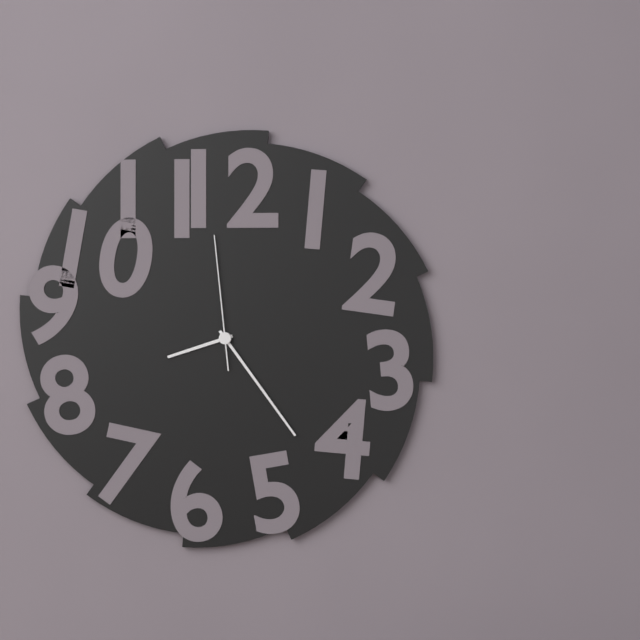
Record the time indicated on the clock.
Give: 8:24:59
